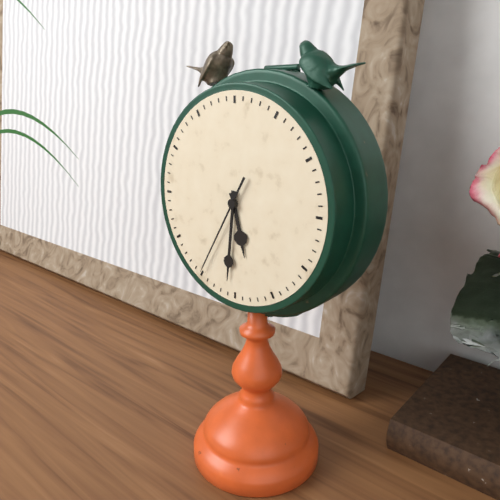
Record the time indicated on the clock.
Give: 5:31:35
